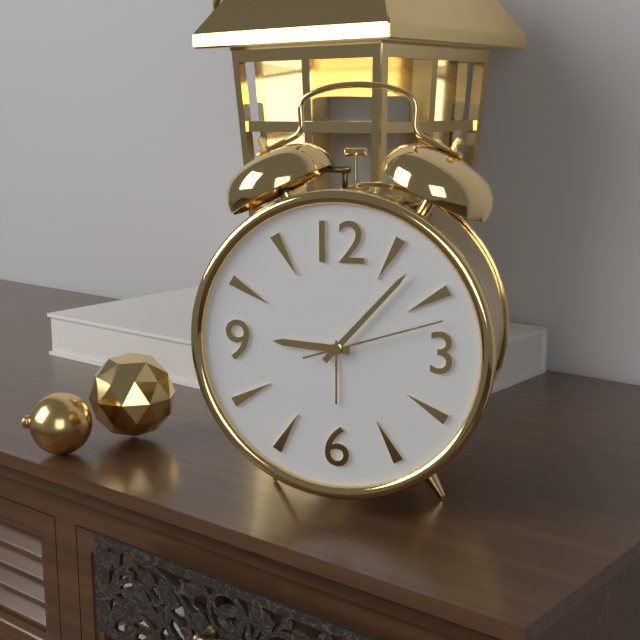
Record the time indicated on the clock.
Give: 9:07:12
